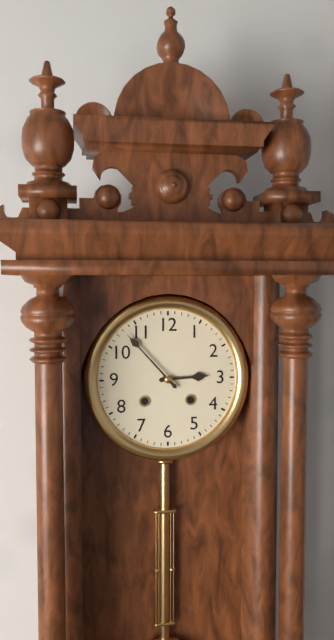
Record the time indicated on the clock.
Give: 2:53
